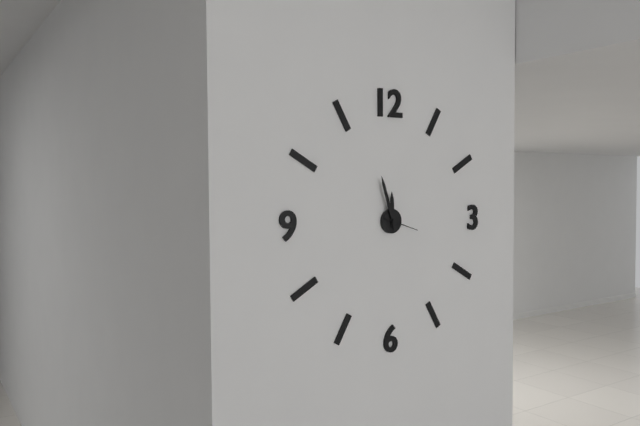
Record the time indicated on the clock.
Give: 11:57
